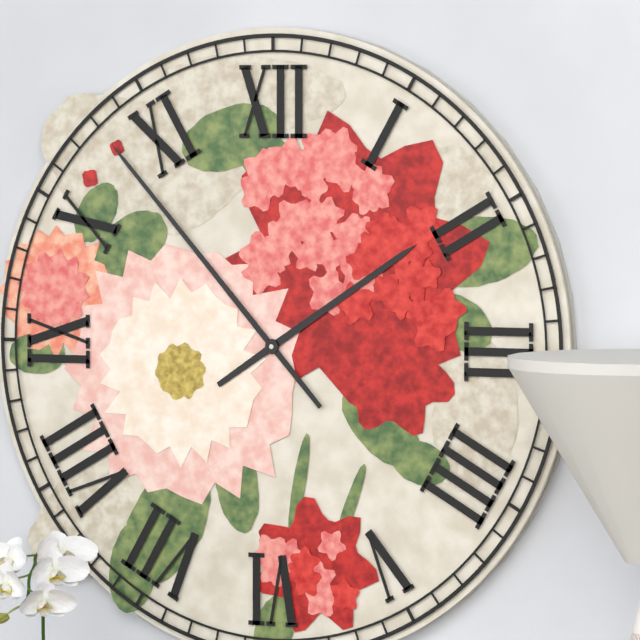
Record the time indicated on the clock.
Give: 1:53
